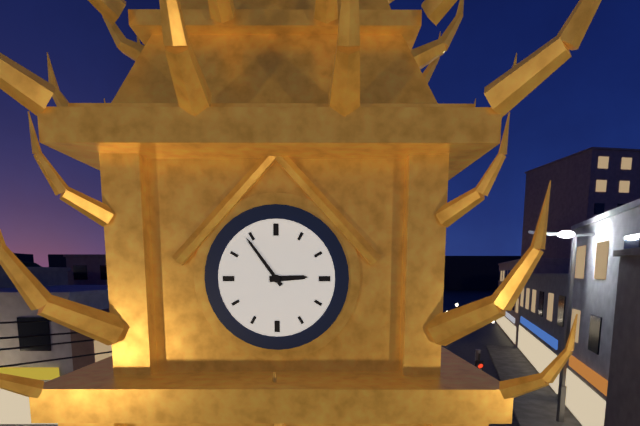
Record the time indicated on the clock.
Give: 2:54
